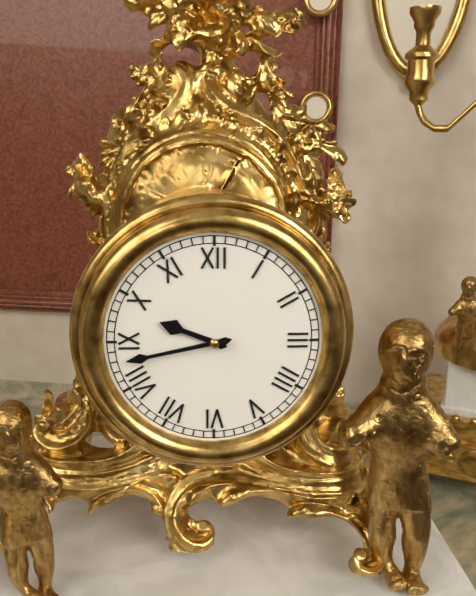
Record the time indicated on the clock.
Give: 9:43
